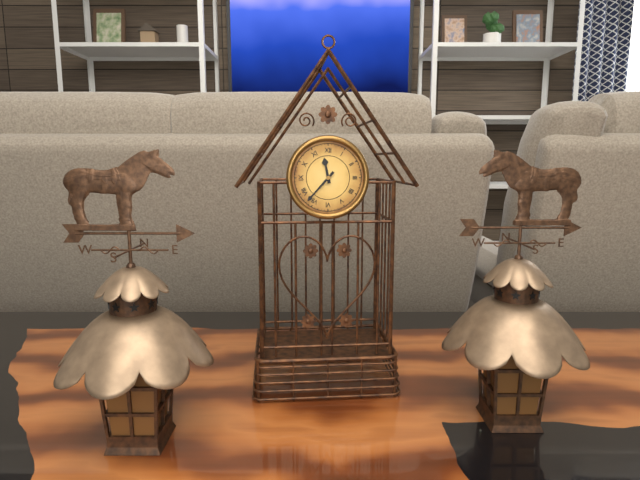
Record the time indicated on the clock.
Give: 11:37
